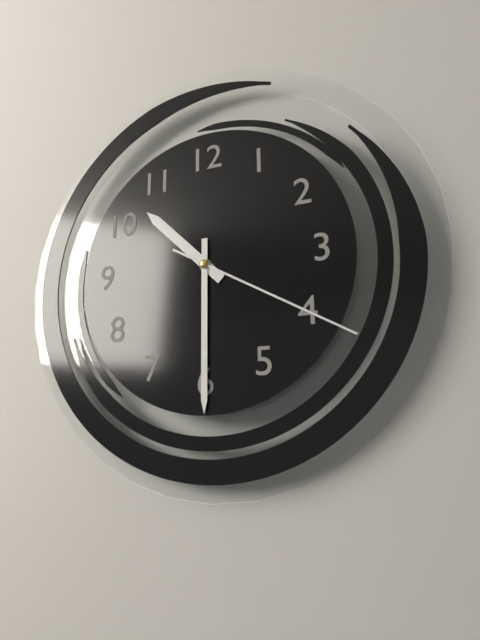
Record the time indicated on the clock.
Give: 10:30:20
